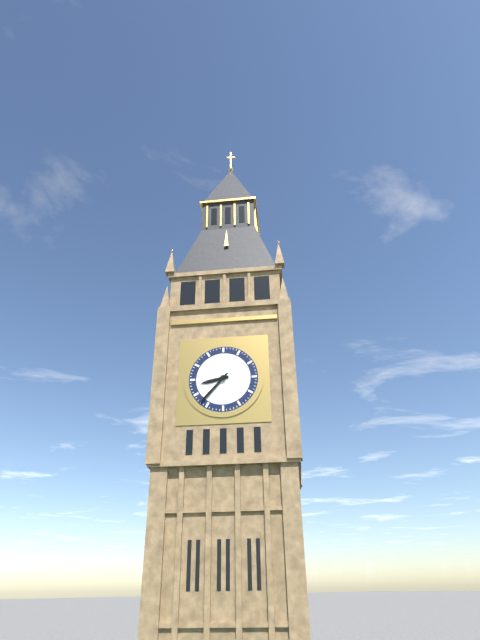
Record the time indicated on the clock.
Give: 8:37
